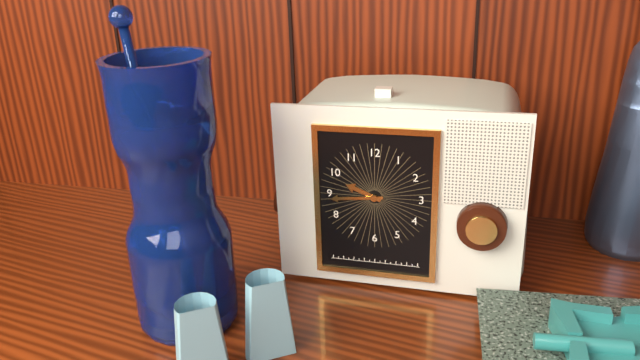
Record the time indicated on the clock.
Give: 9:44
